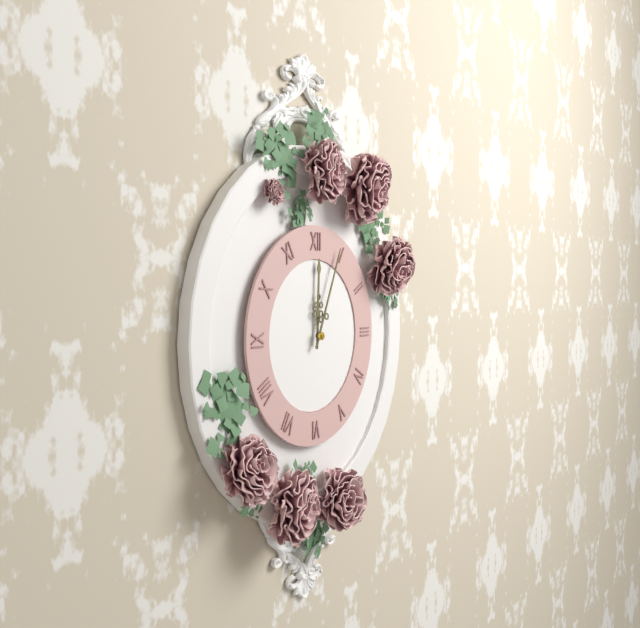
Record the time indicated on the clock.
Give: 12:04
